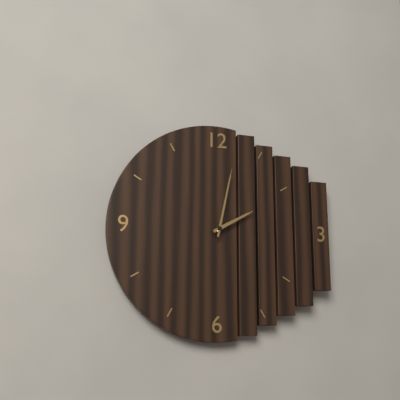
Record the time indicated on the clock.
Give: 2:02
